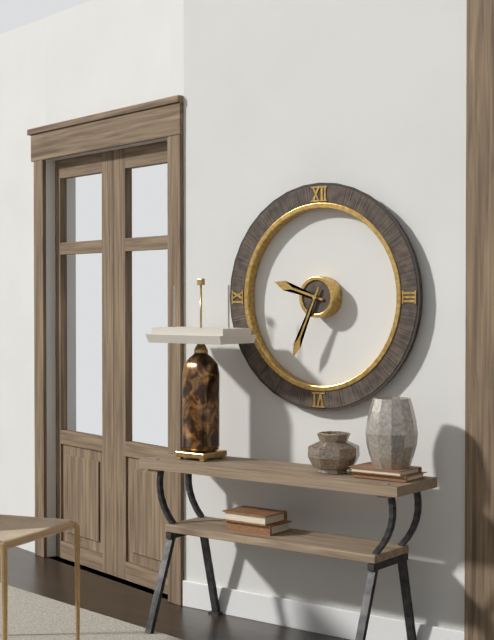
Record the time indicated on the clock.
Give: 9:34
